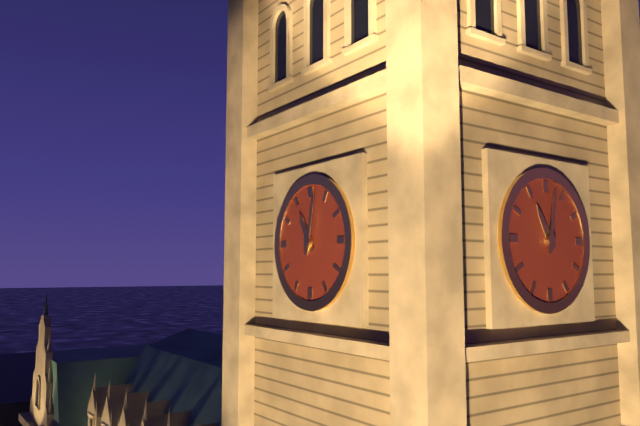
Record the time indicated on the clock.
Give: 11:02
